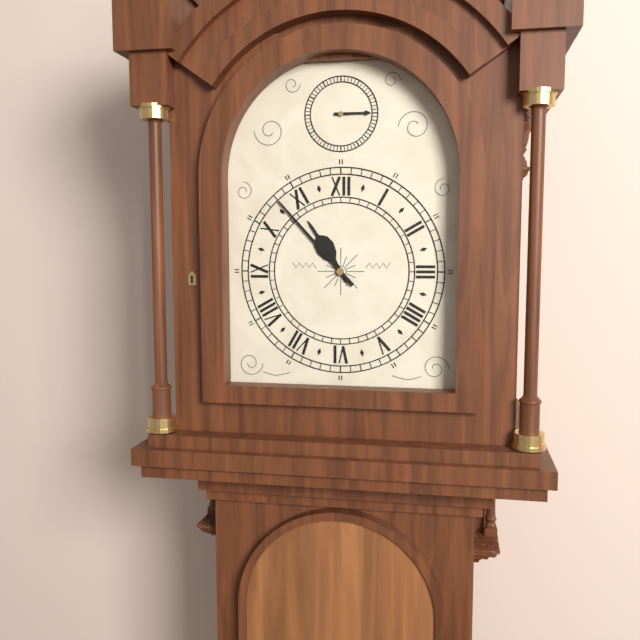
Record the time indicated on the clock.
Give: 10:53
